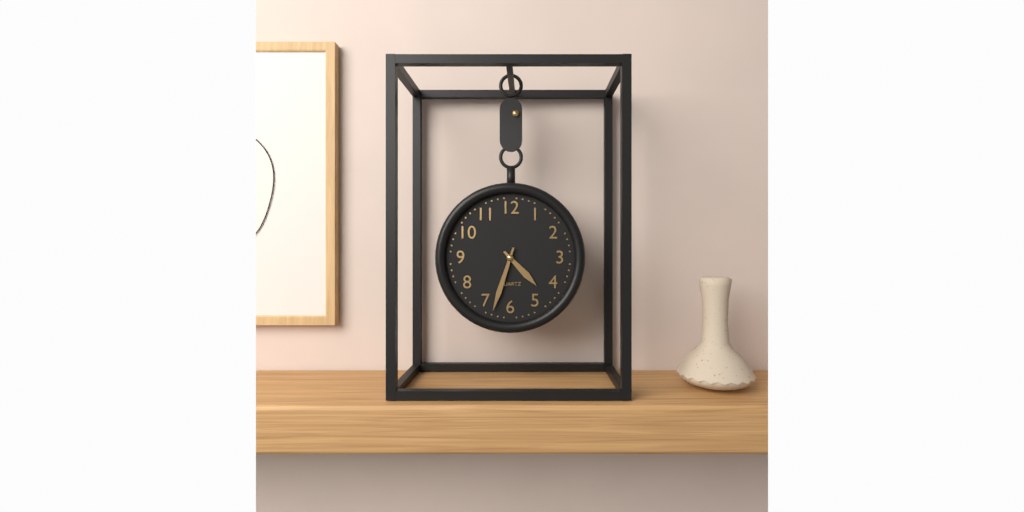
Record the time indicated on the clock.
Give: 4:33
